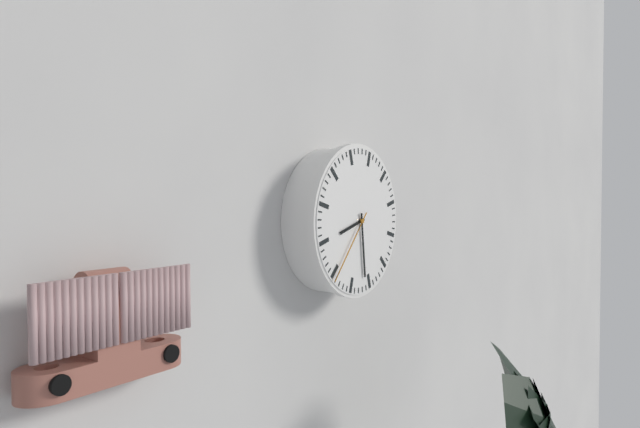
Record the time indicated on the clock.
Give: 8:29:37
